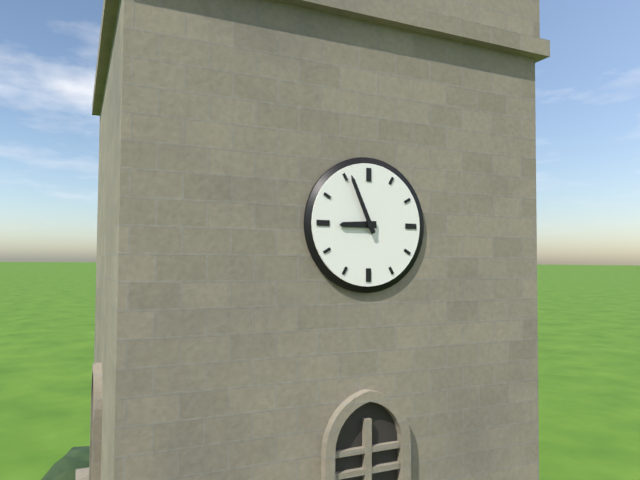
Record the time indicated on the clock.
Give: 8:56
